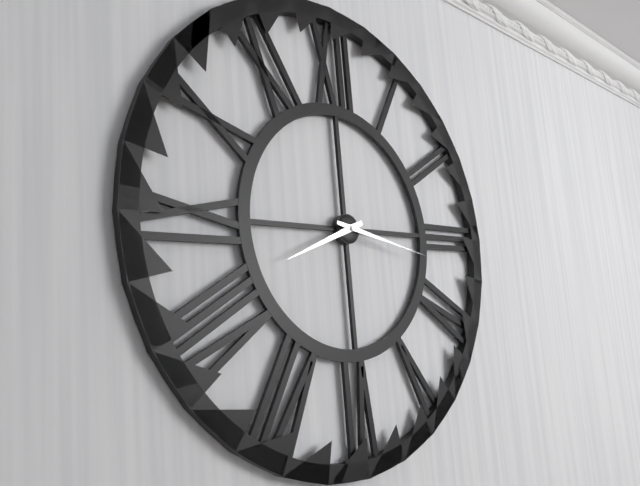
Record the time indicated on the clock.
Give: 8:17
